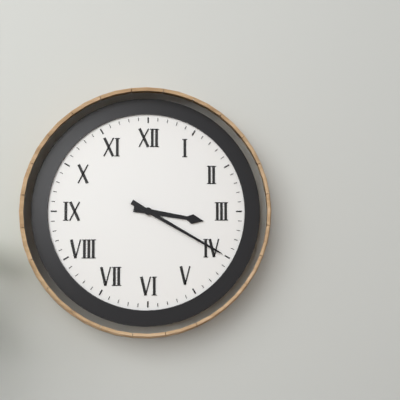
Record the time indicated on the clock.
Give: 3:20
